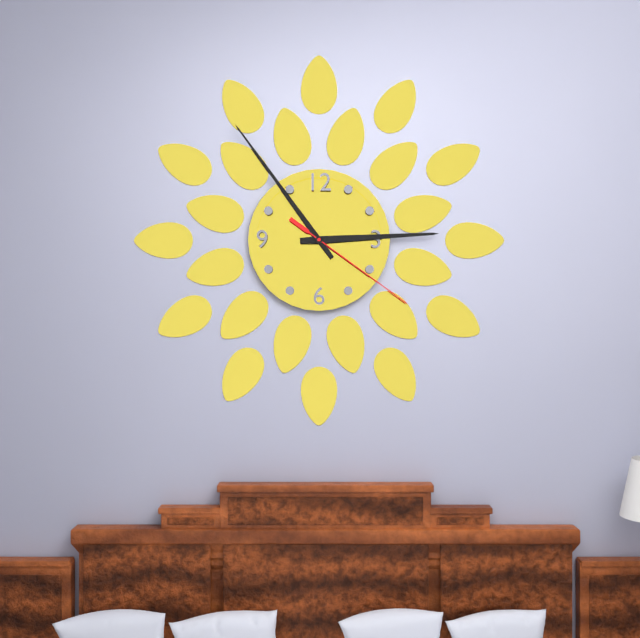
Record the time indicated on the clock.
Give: 2:54:21
